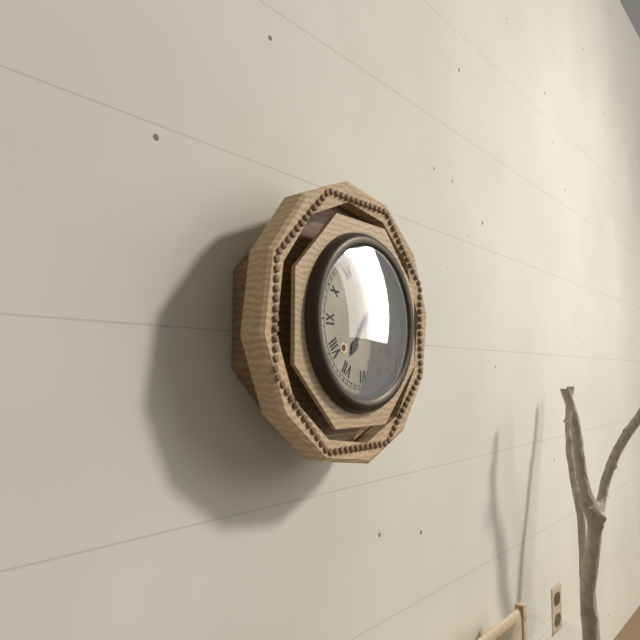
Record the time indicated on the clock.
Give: 7:07
